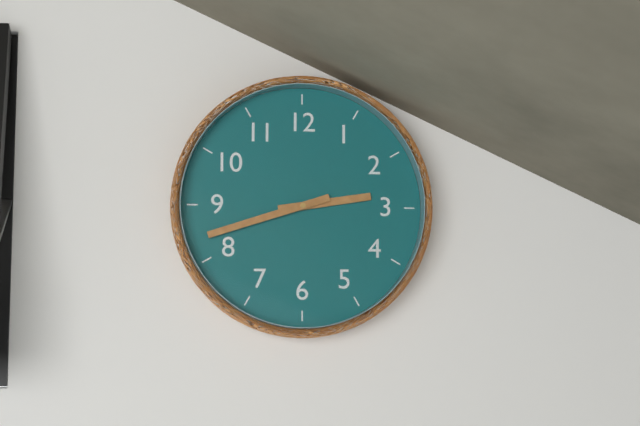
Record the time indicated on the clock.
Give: 2:42
